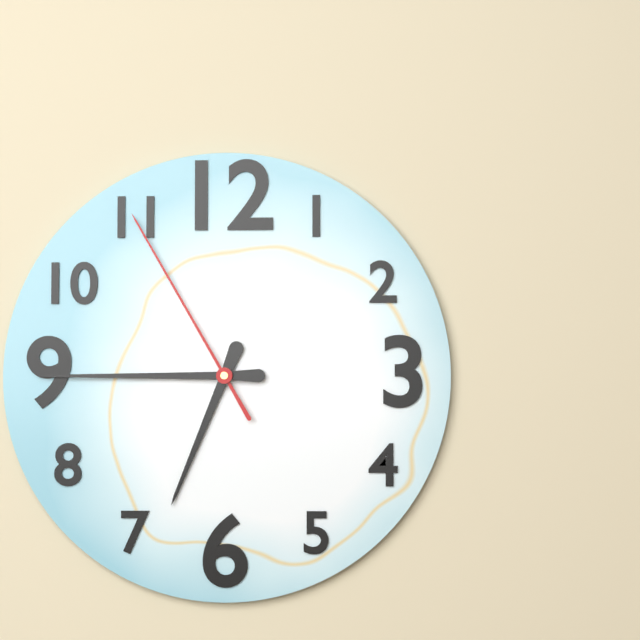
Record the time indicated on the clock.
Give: 6:45:55
